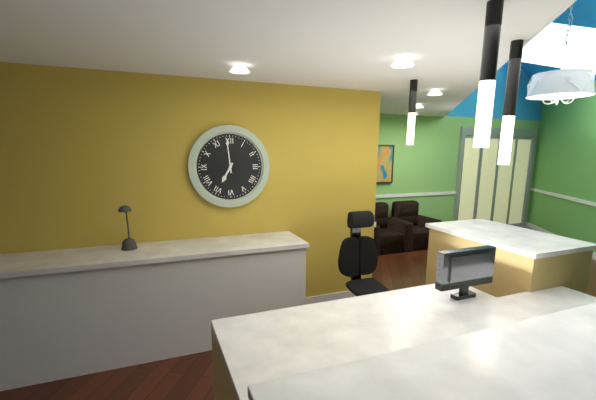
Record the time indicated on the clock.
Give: 6:59
